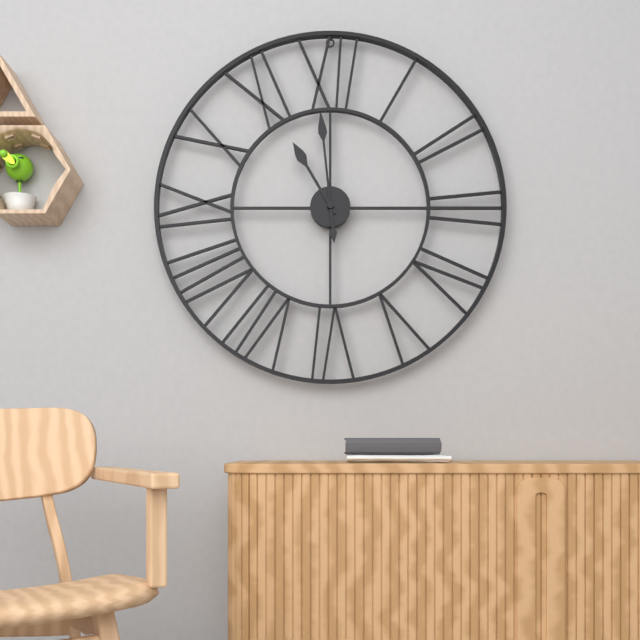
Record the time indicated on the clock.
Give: 10:59
